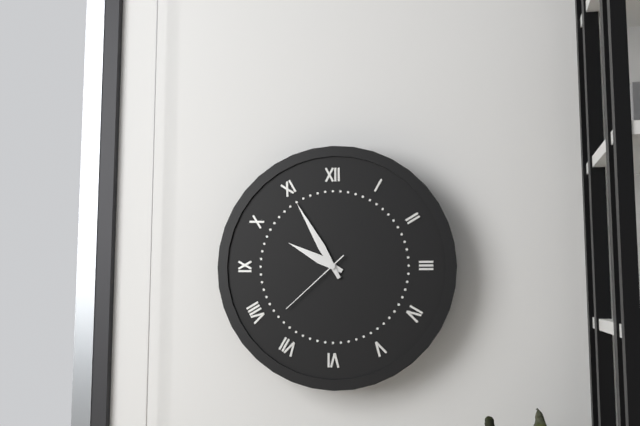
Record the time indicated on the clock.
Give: 9:55:38
